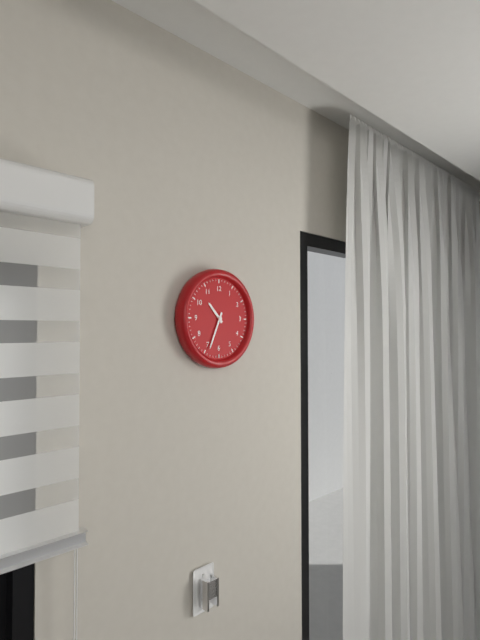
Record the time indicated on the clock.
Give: 10:34
